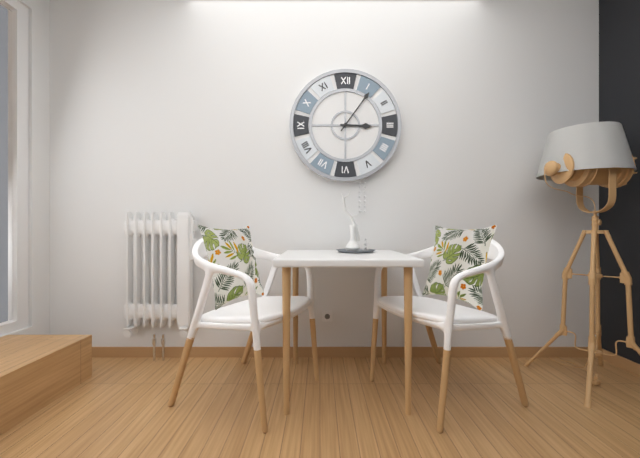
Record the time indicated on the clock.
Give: 3:06
